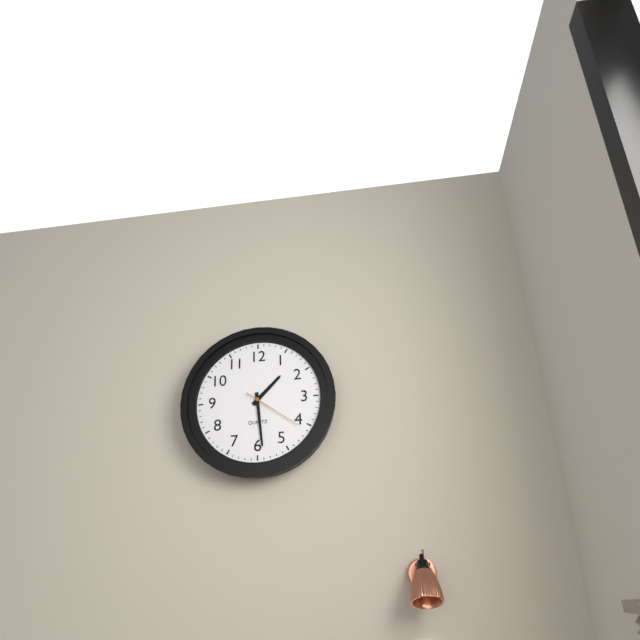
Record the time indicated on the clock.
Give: 1:29:21
